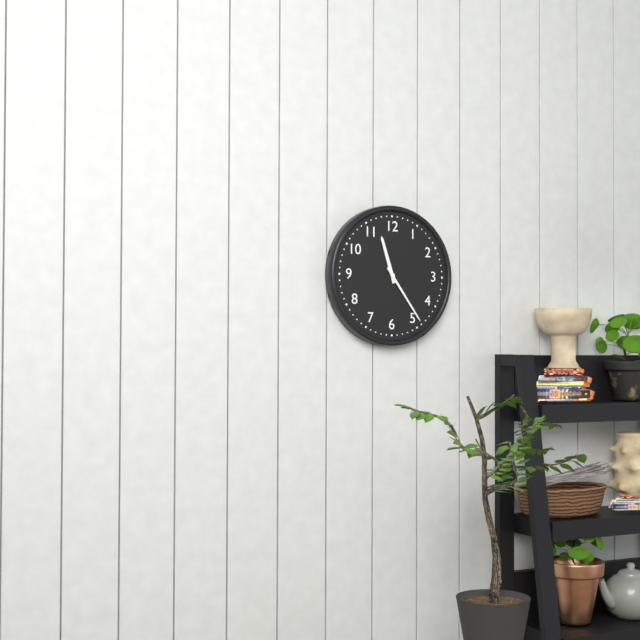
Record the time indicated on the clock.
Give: 11:24
